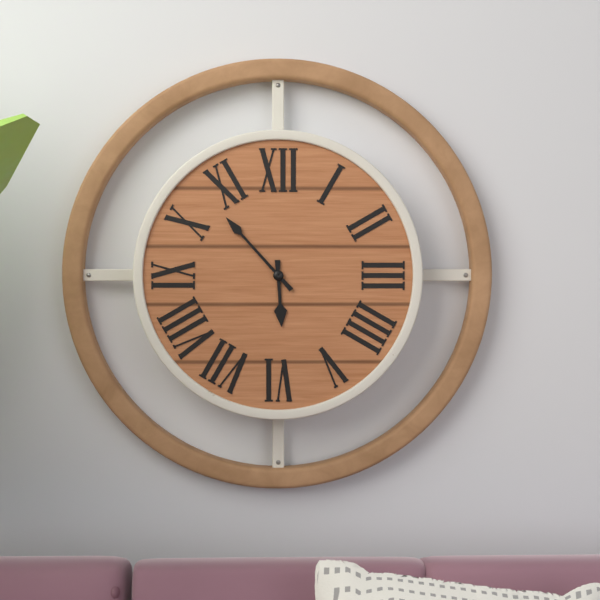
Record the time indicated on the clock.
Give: 5:53
